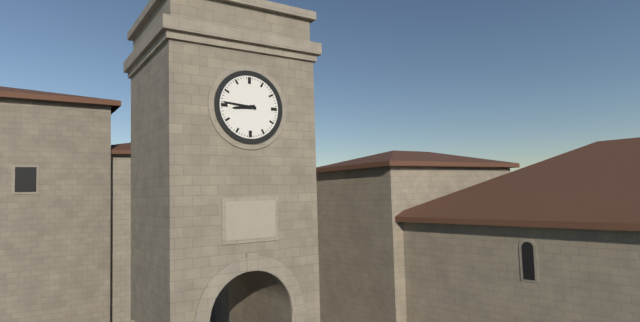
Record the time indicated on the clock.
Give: 8:46
